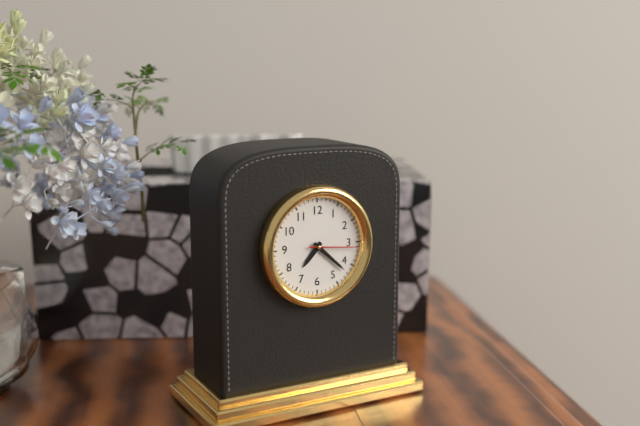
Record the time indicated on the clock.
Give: 7:22
